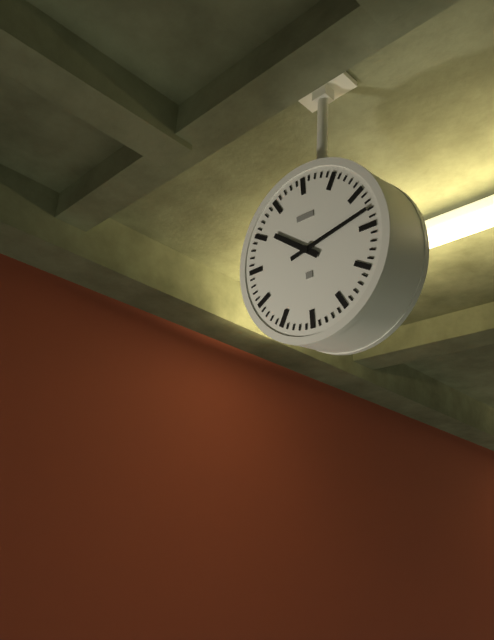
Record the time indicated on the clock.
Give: 10:13
